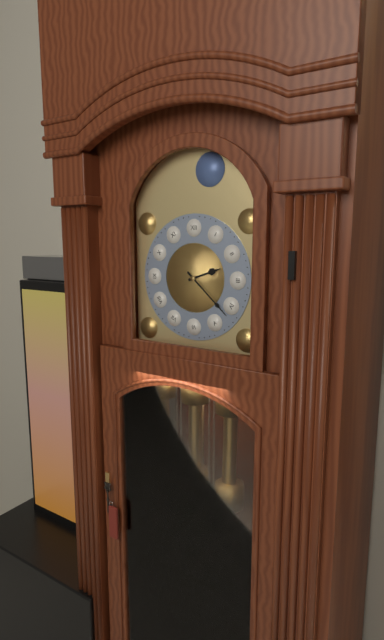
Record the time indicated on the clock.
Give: 2:22
